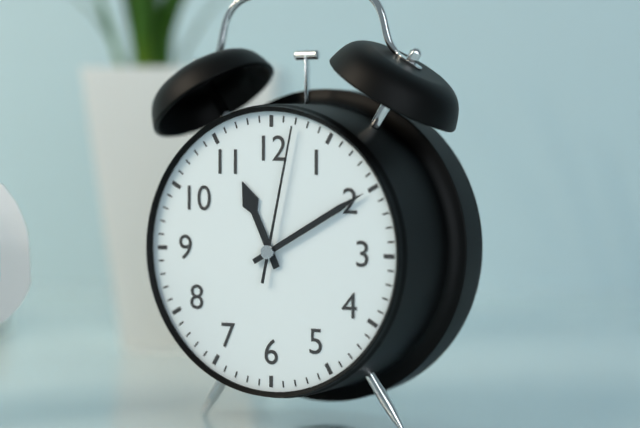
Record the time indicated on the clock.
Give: 11:10:02
